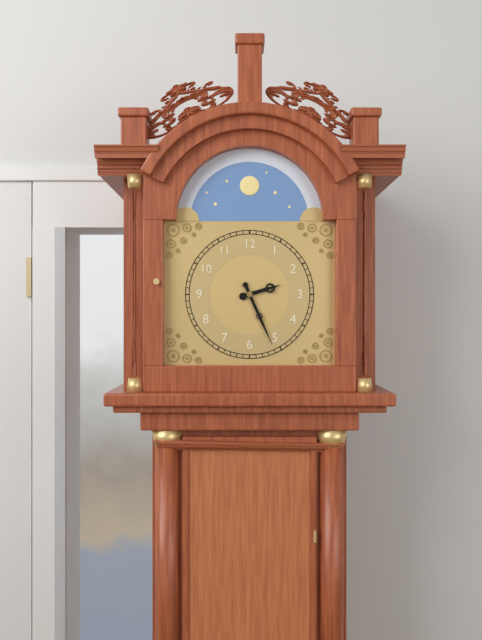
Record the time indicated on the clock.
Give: 2:26
